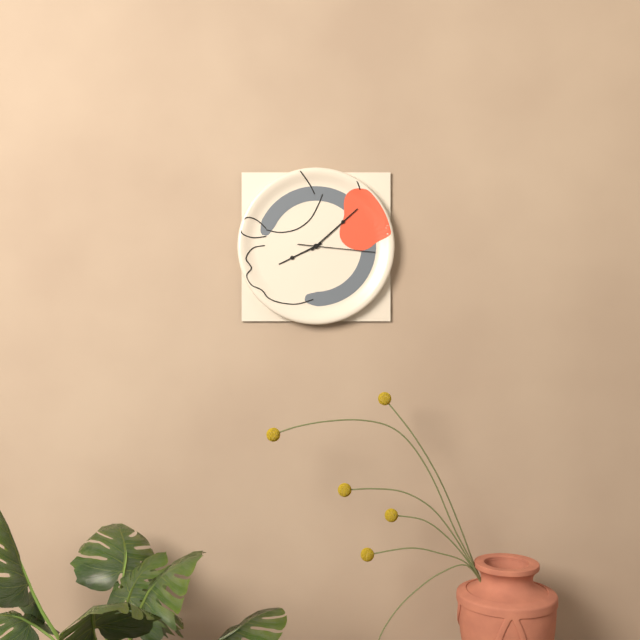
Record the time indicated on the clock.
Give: 8:08:16
